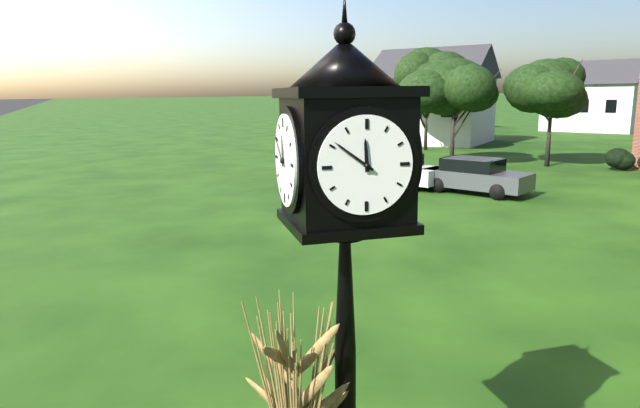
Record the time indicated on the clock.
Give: 11:51
